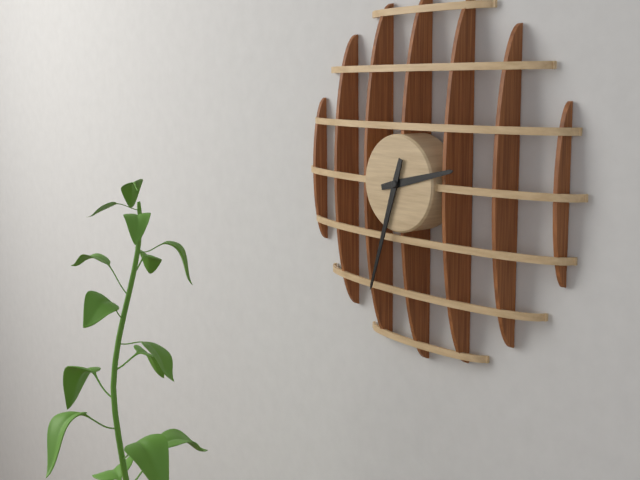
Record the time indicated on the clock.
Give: 2:33
